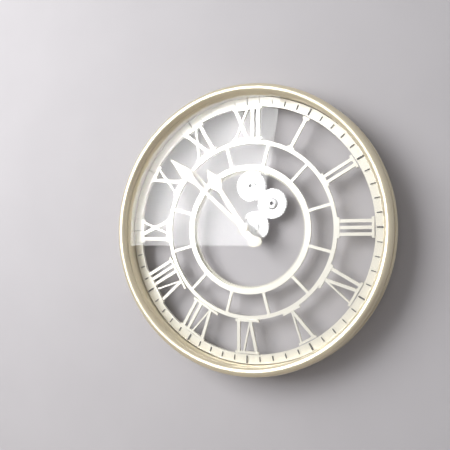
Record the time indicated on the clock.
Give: 10:52
